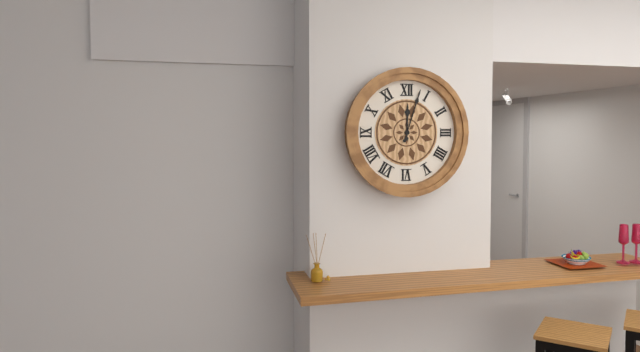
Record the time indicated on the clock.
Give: 12:03
